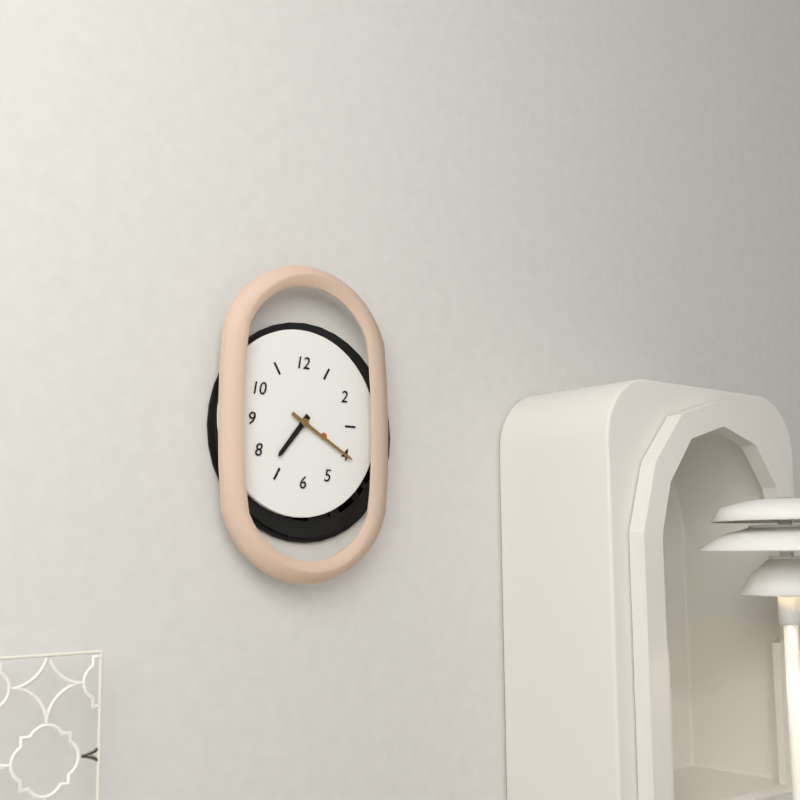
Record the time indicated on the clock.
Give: 7:20
